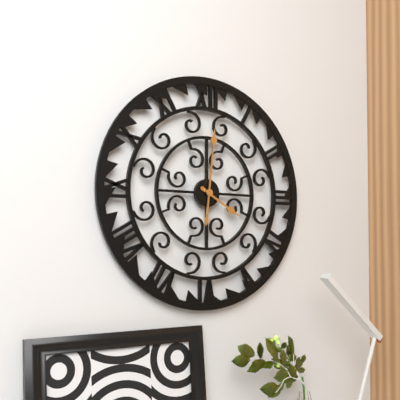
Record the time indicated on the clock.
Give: 4:01
